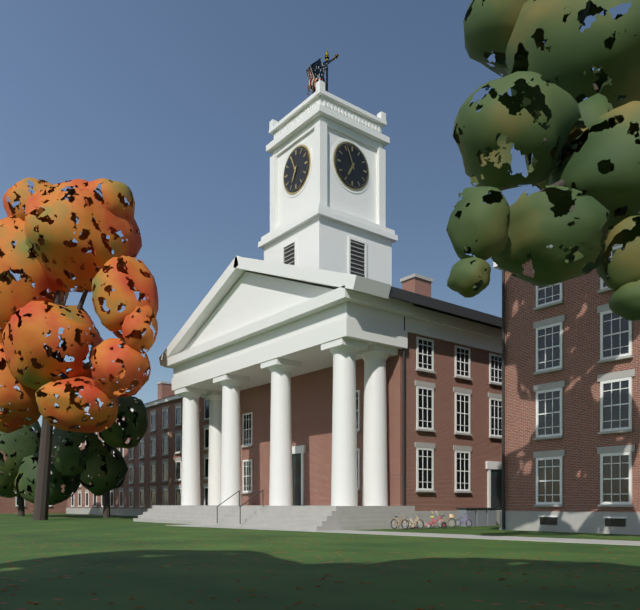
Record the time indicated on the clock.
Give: 6:56
